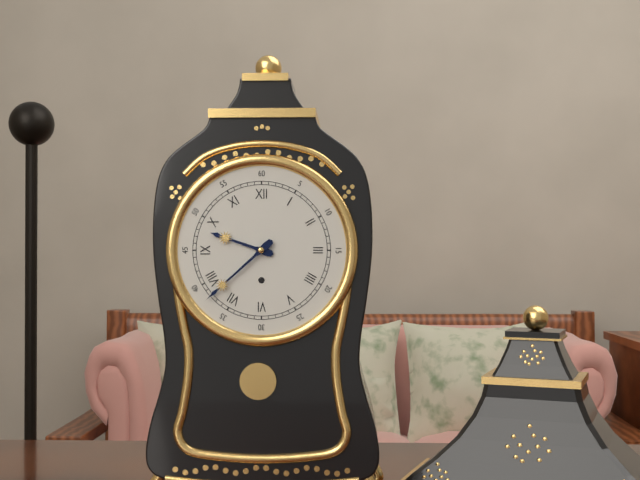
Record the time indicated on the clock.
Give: 9:38
